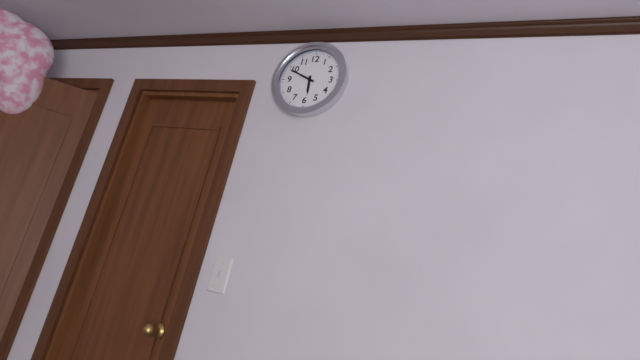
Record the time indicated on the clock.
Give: 5:49
